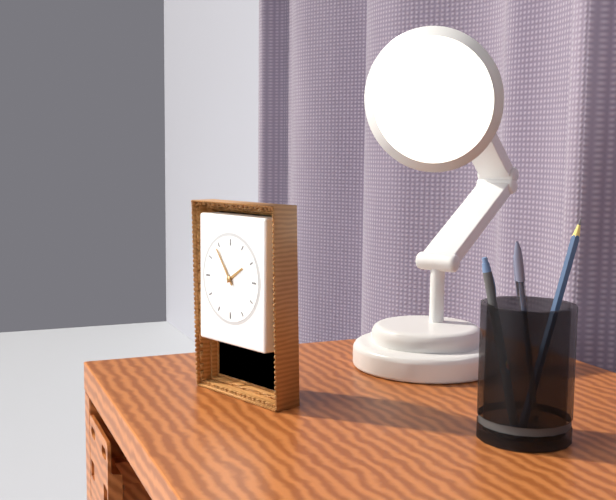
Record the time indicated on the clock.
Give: 1:54
